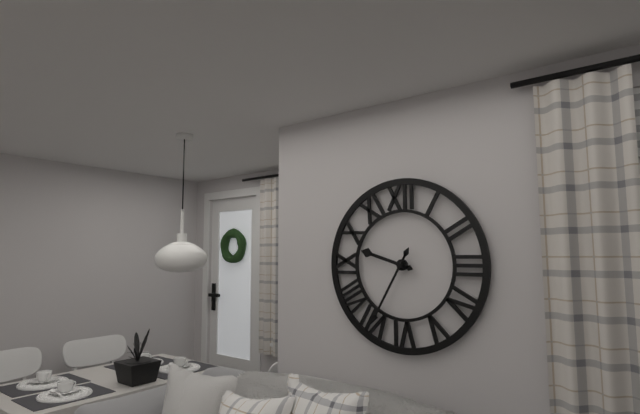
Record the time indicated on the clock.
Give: 9:35
